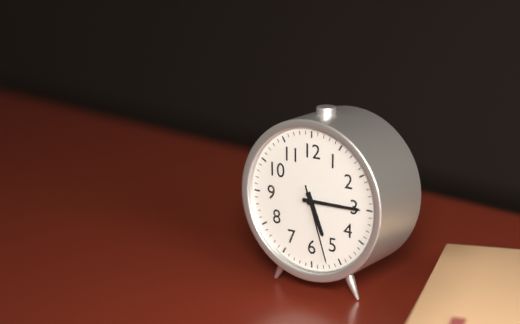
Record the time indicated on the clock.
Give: 5:15:27
